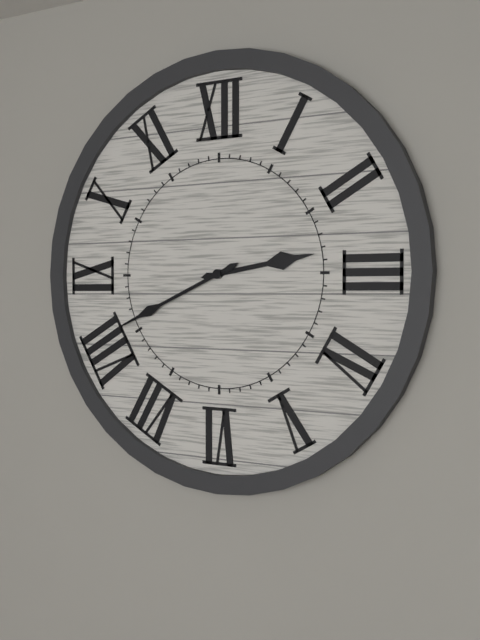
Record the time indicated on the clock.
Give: 2:41
